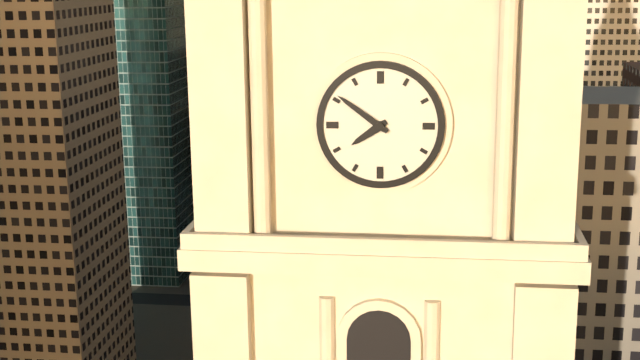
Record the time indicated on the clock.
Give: 7:51
